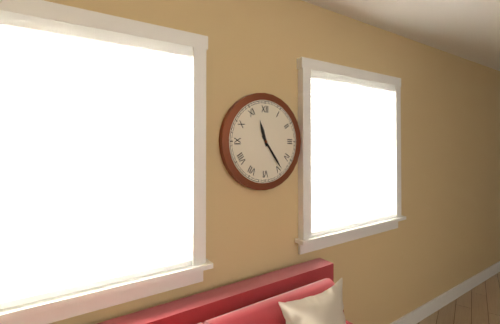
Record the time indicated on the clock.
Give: 11:24
